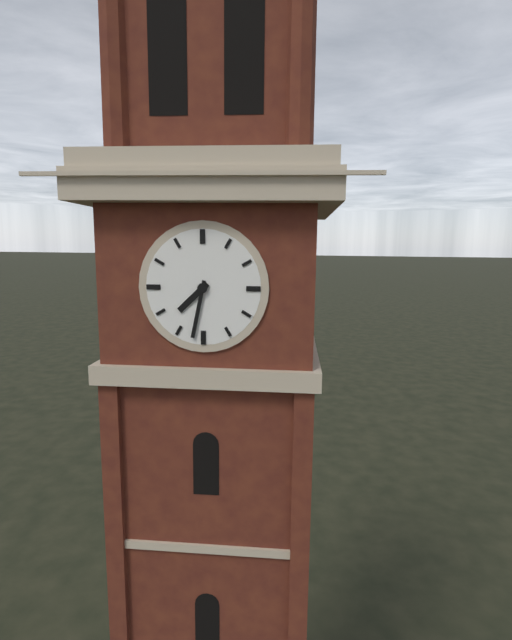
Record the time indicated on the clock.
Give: 7:32
